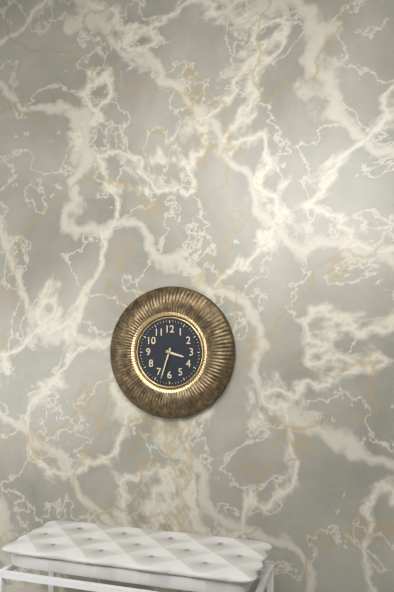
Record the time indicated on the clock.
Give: 3:33
